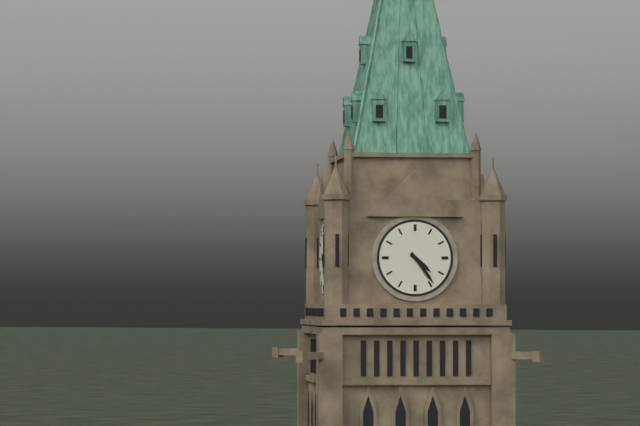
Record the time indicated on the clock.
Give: 4:24
